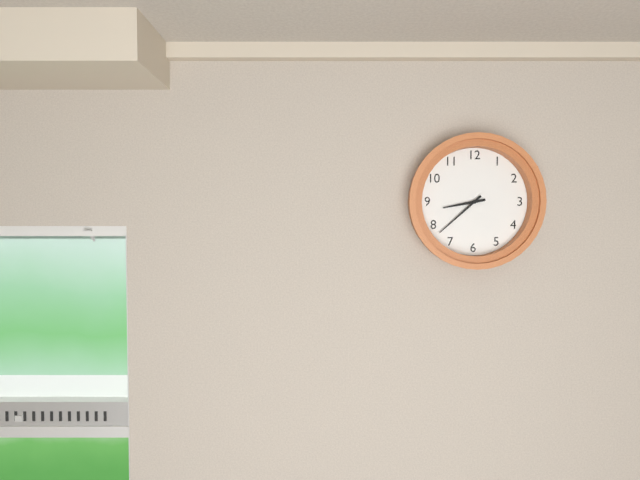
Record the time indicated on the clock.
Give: 8:38
